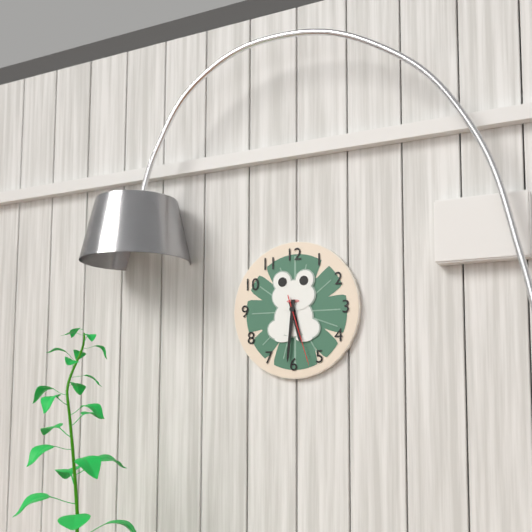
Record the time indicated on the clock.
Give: 5:31:27
